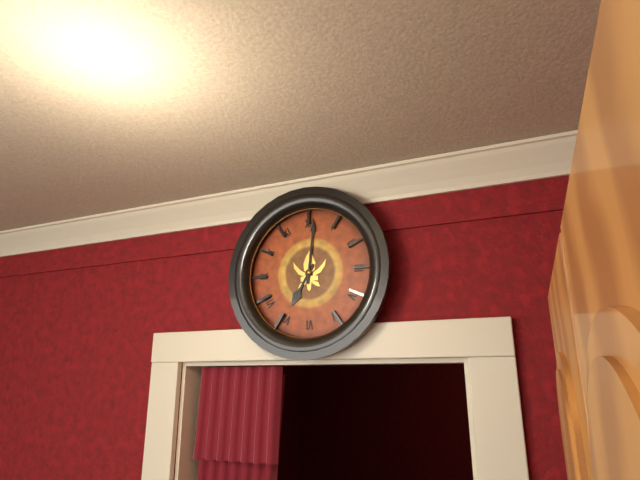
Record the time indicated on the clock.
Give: 7:01
